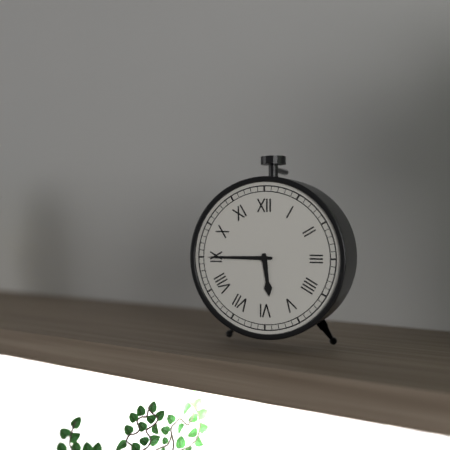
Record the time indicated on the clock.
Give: 5:45
